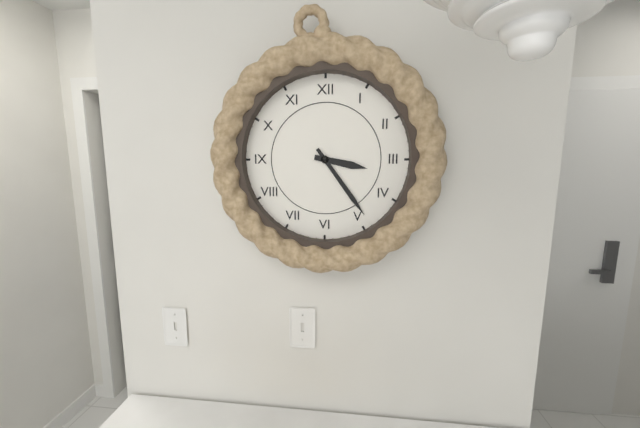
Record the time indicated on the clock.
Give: 3:24
